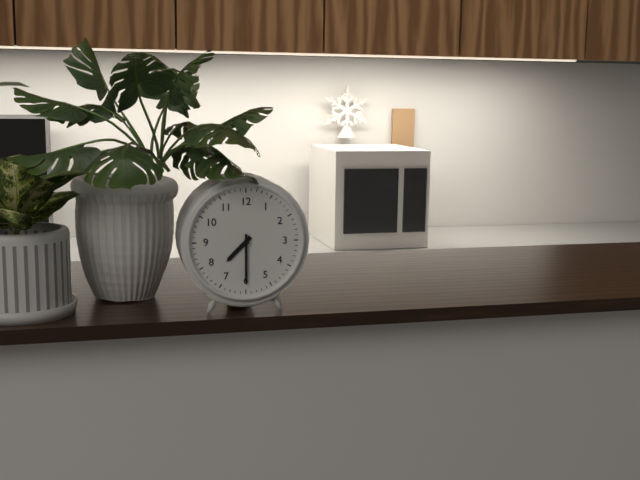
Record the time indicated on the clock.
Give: 7:30
